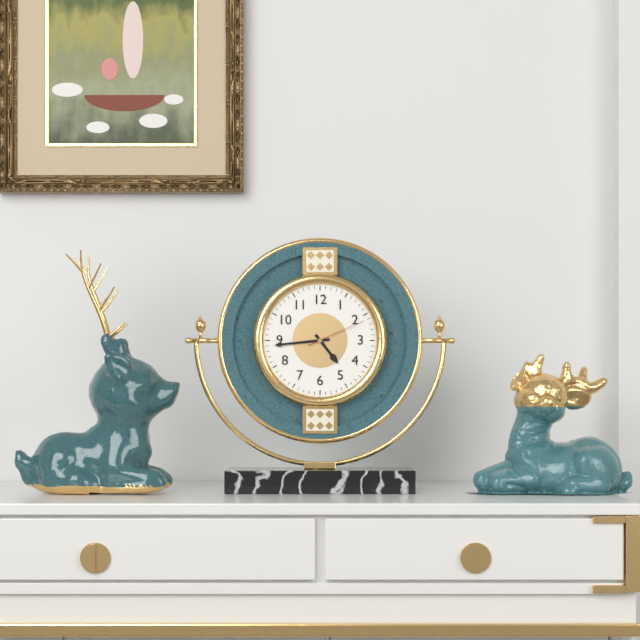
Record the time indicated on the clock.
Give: 4:44:11
